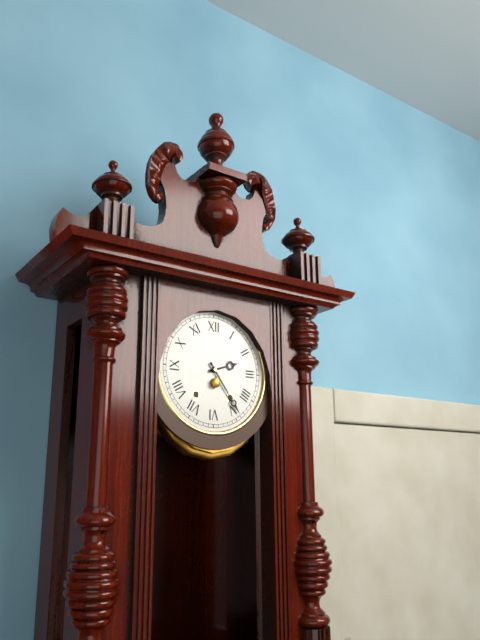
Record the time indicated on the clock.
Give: 2:24
